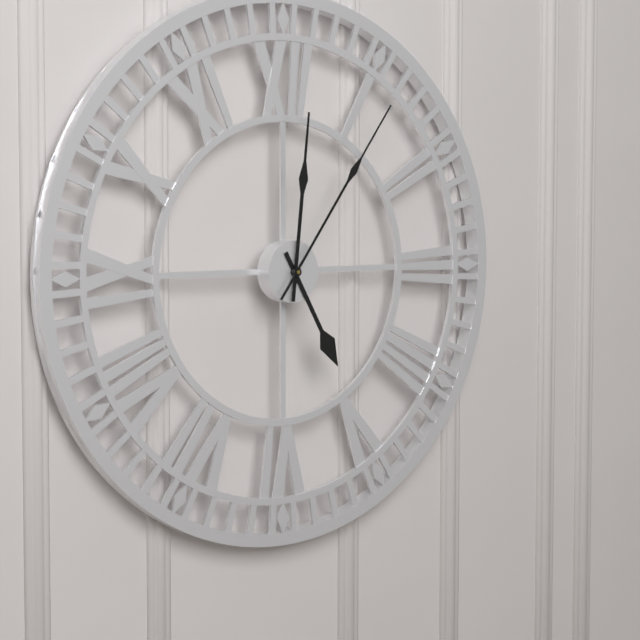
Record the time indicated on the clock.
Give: 5:01:06
